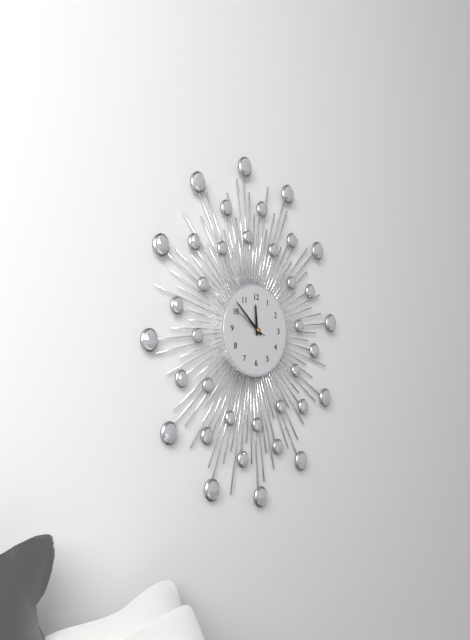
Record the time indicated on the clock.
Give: 11:52
